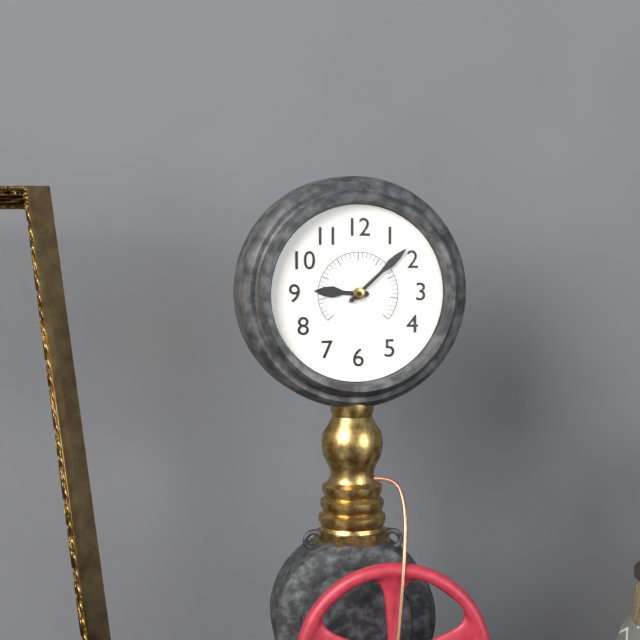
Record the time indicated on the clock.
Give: 9:08
